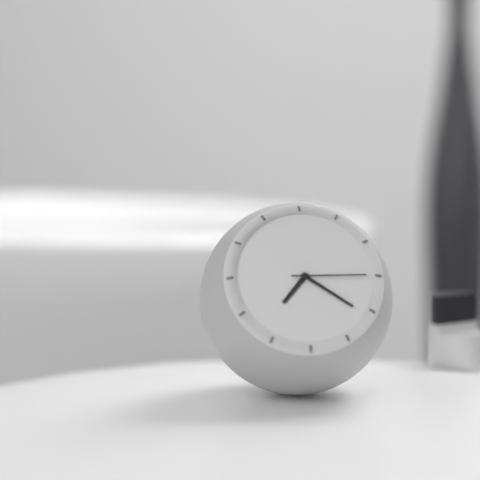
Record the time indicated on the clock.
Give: 7:21:15
